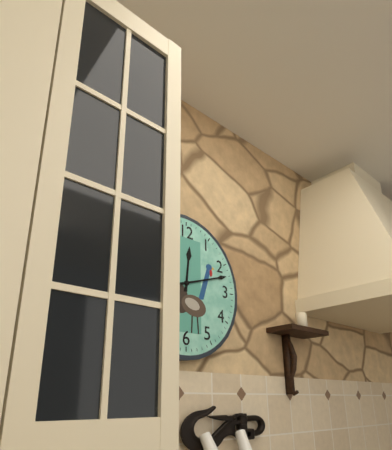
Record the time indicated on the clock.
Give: 12:12
